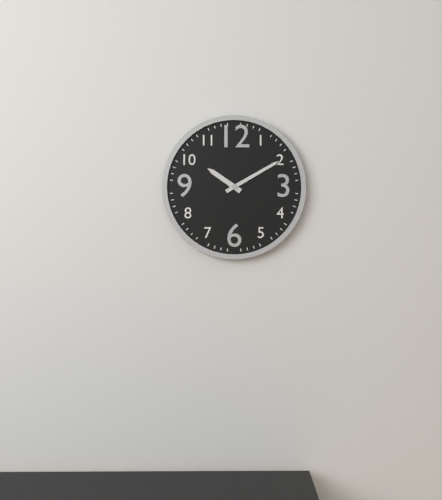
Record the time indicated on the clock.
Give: 10:10
